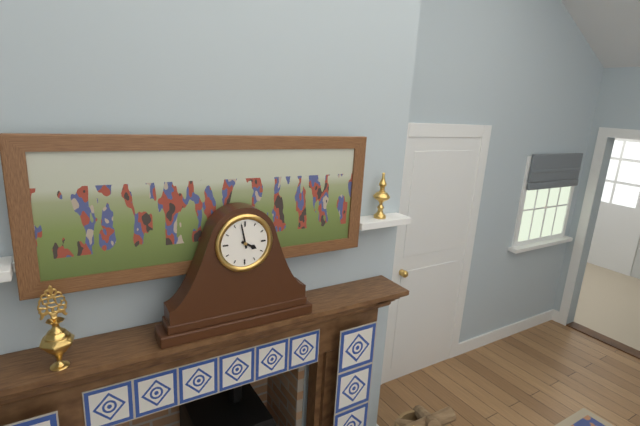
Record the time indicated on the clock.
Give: 3:58
